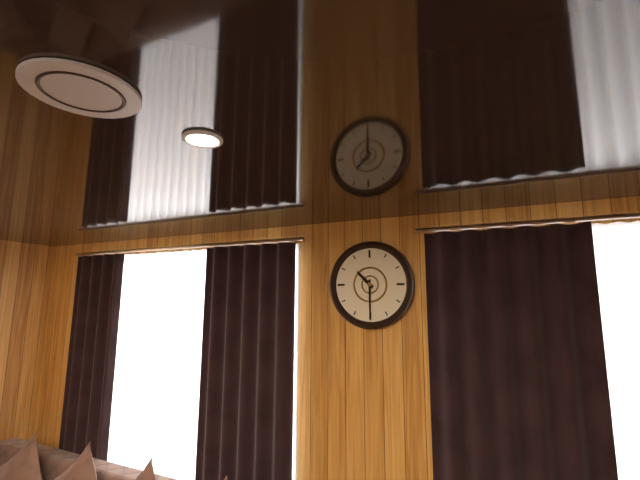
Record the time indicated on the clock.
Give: 10:30
